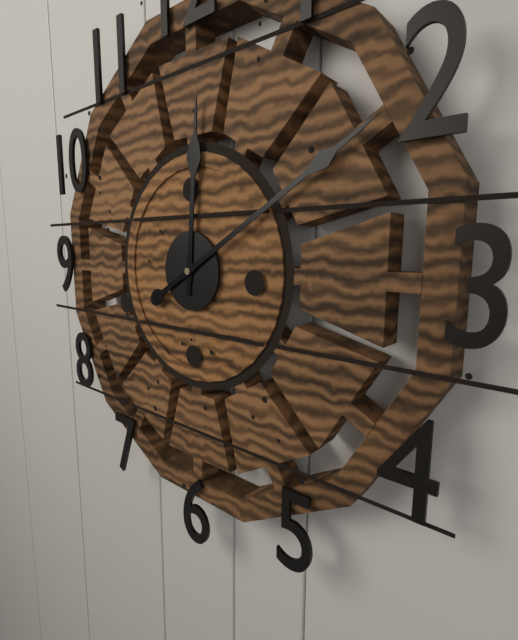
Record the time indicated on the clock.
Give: 12:10
